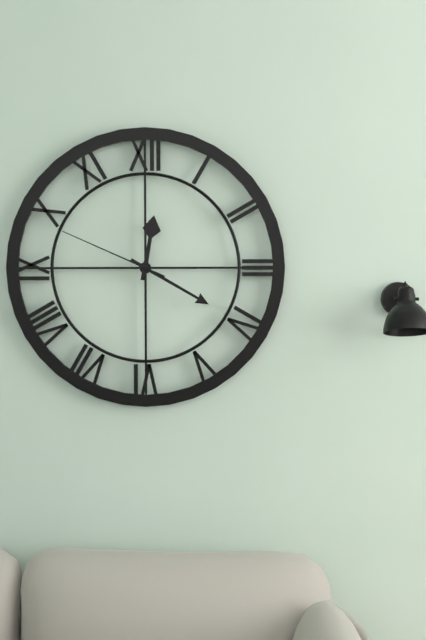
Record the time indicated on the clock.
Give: 12:20:49
